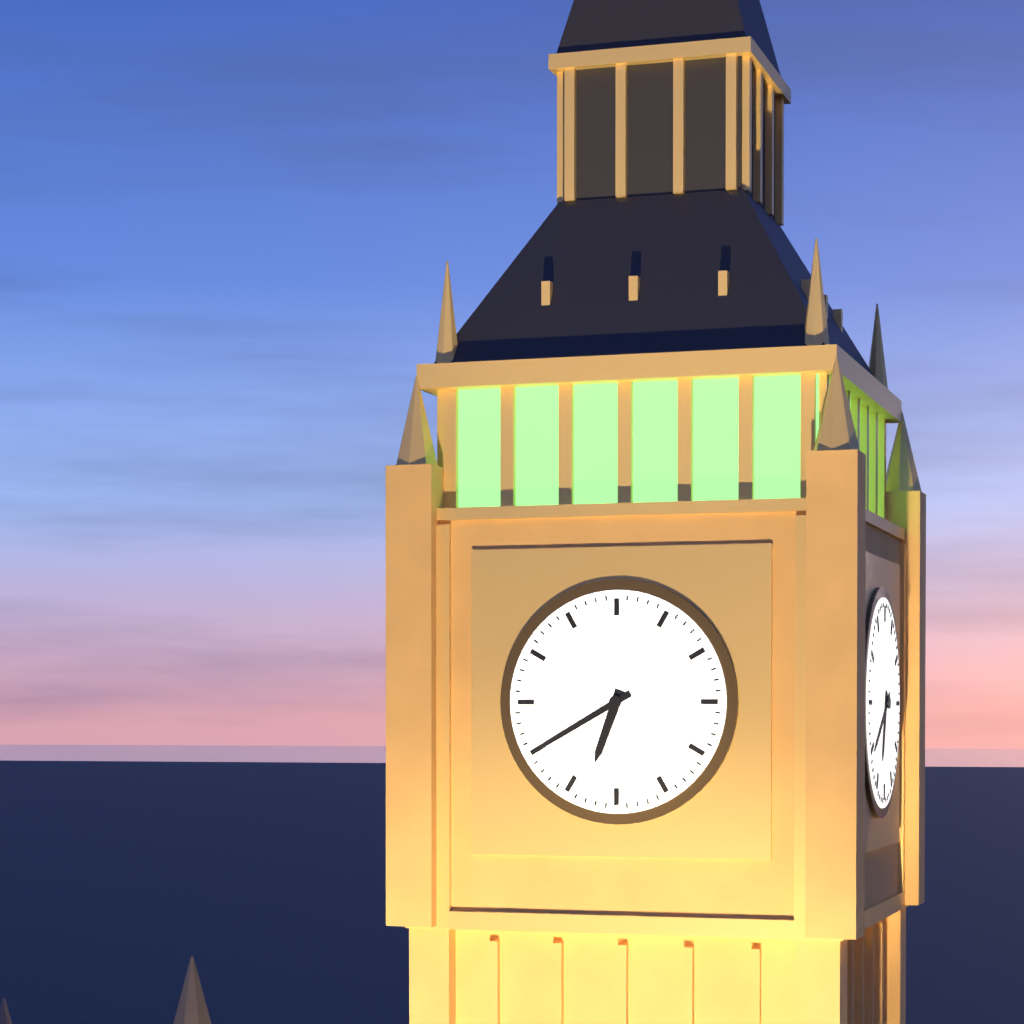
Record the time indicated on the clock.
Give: 6:40
